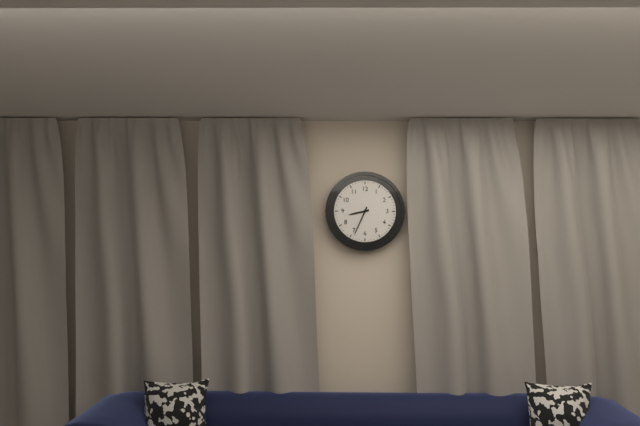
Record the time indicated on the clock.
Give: 8:34
